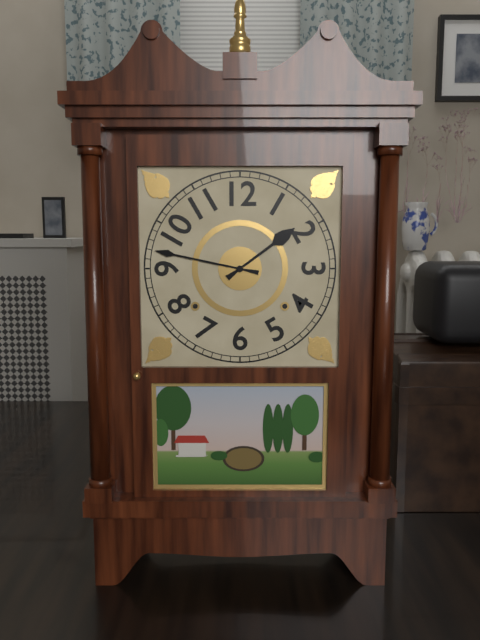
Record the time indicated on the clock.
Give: 1:47
